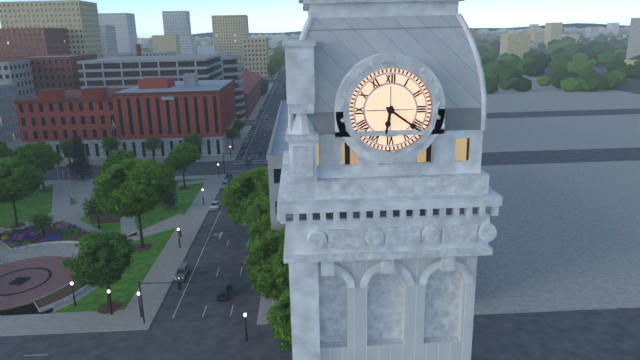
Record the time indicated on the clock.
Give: 6:21
